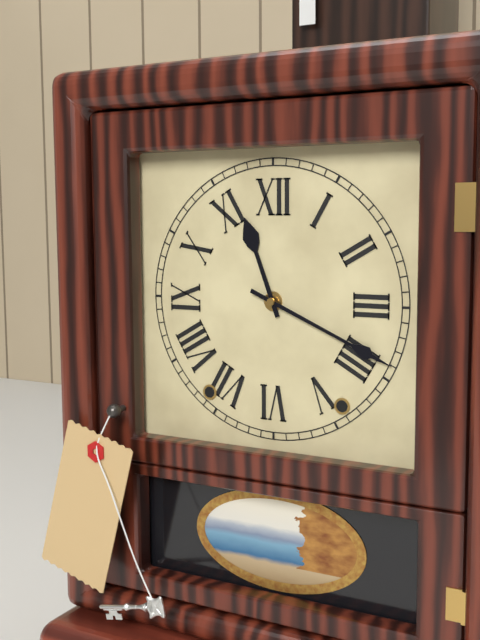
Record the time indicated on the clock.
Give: 11:19
